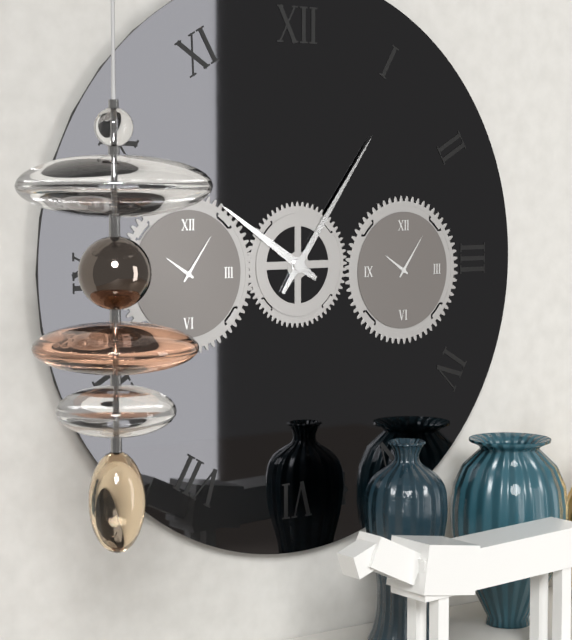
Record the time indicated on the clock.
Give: 10:06
